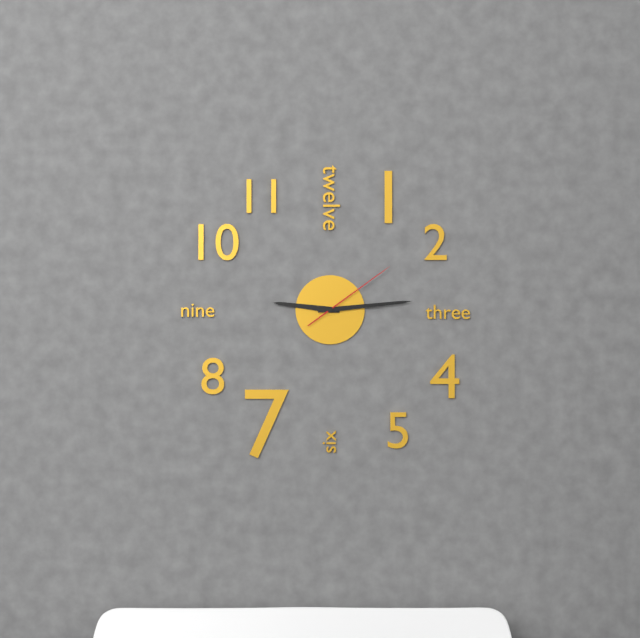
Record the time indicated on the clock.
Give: 9:14:09
